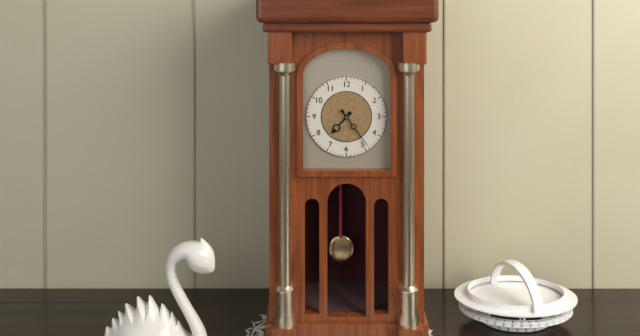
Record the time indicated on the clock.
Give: 7:24
